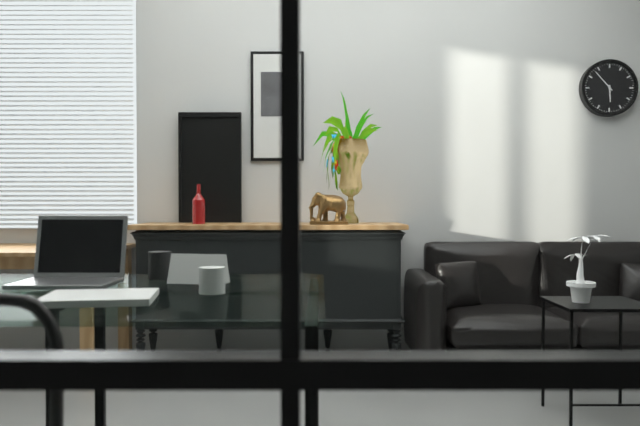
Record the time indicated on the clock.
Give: 5:53
